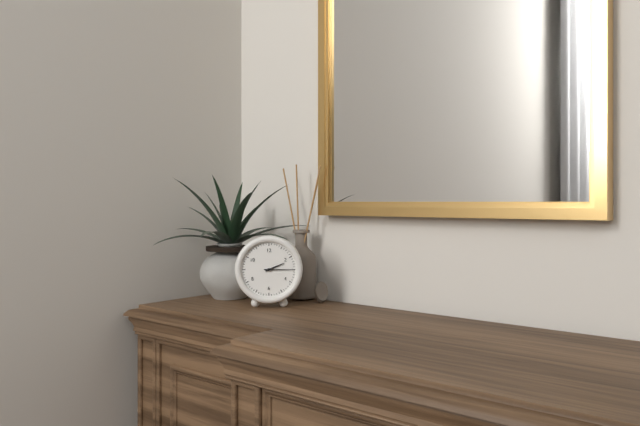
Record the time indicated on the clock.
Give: 2:15
